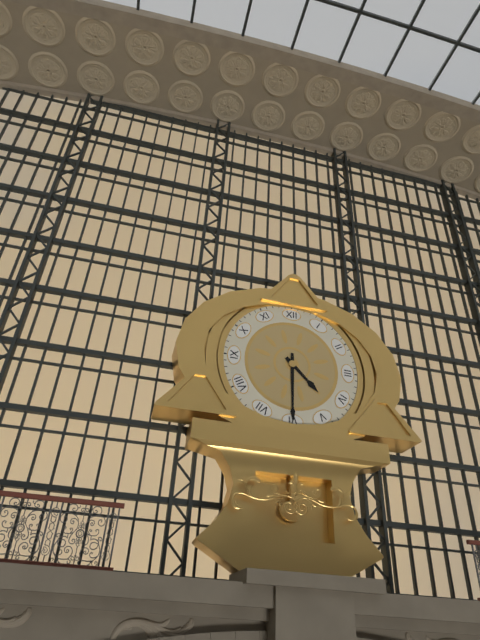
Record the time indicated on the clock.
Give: 4:30
